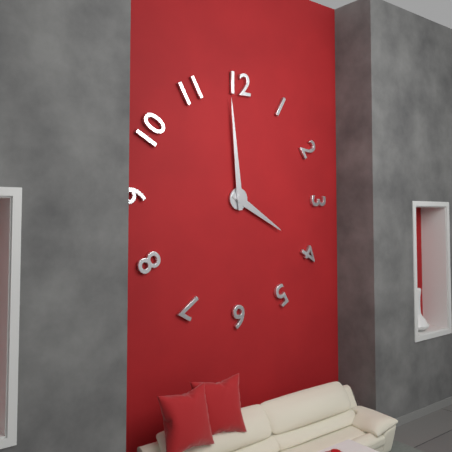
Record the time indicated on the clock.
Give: 3:59
